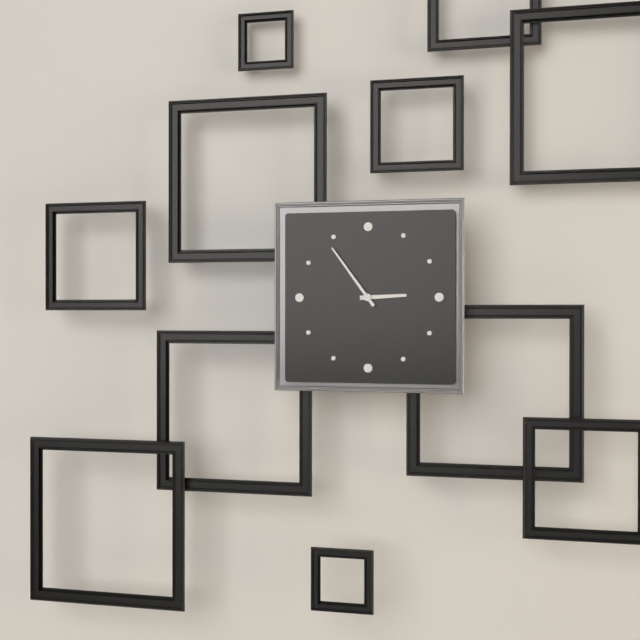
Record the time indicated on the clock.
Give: 2:54
